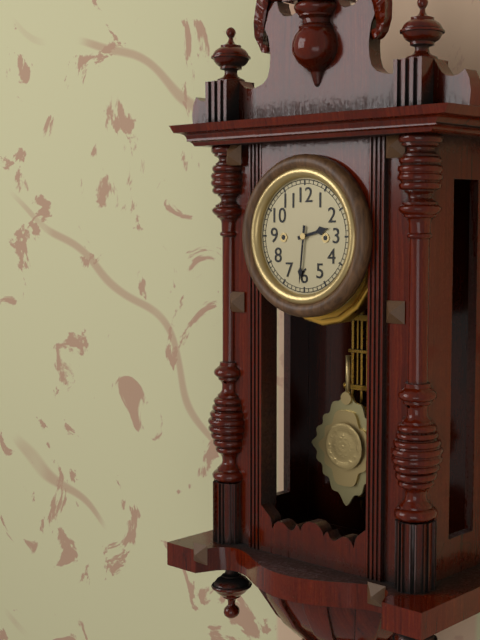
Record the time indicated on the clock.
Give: 2:31
